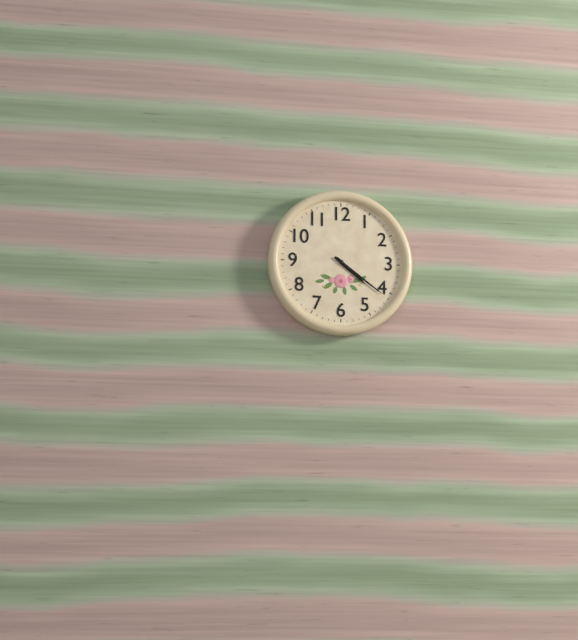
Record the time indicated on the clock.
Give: 4:21
